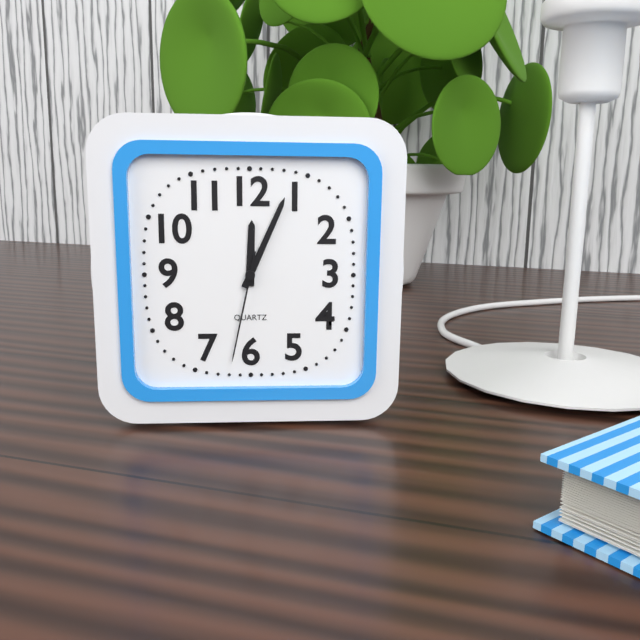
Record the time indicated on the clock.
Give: 12:04:32
